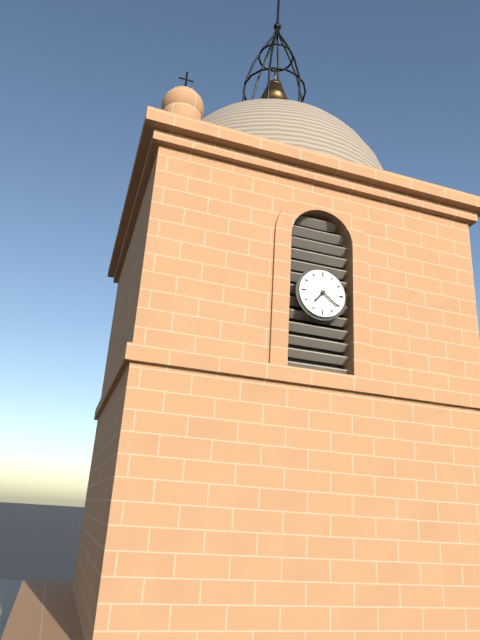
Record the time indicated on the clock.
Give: 7:21
